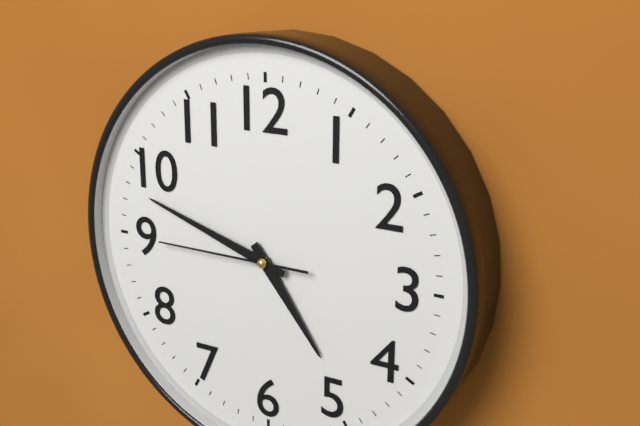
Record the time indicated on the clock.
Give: 4:48:45
